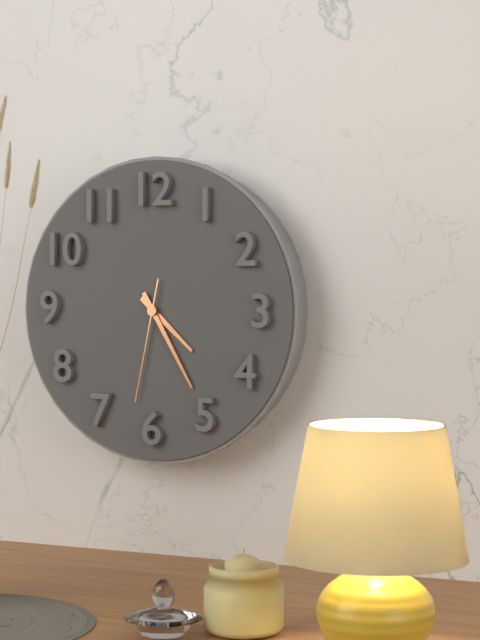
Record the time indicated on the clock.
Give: 4:25:32
